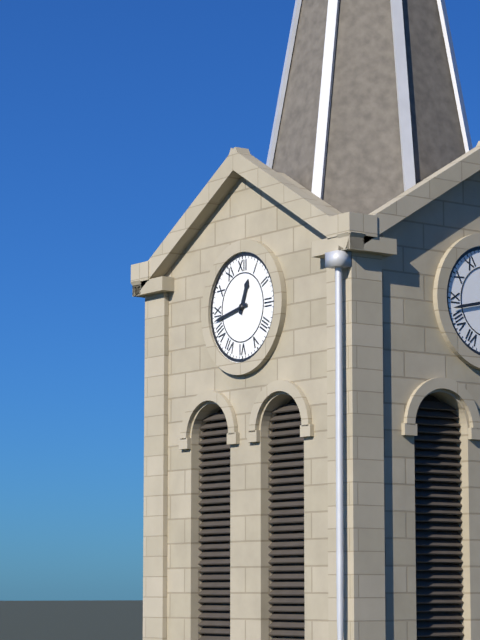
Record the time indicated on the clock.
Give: 12:43
